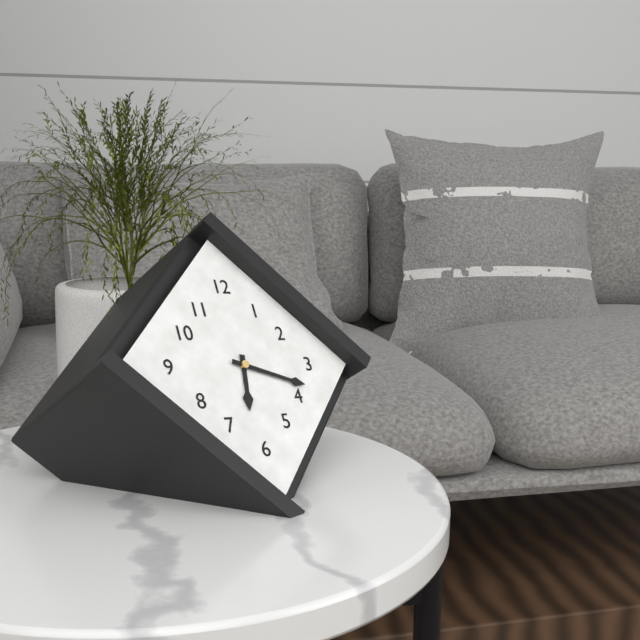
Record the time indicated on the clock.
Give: 6:18
